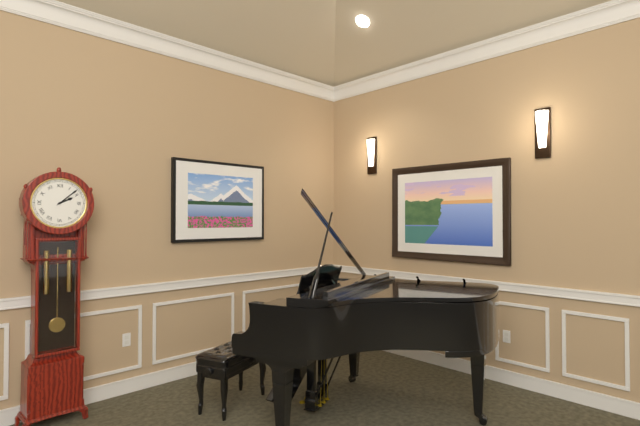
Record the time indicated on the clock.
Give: 2:08
